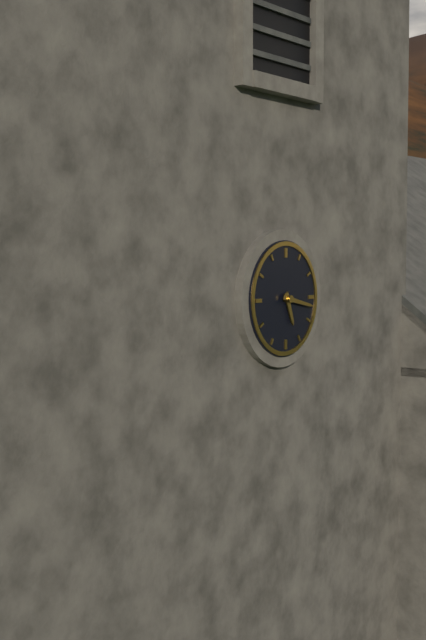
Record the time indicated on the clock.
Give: 5:17
